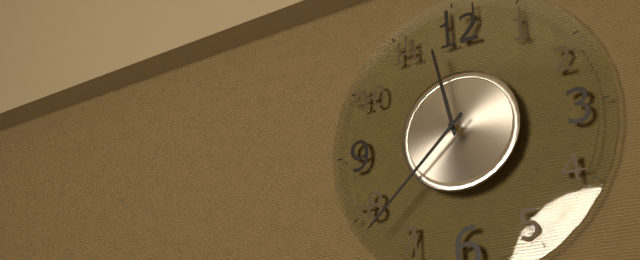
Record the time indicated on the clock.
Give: 11:38
